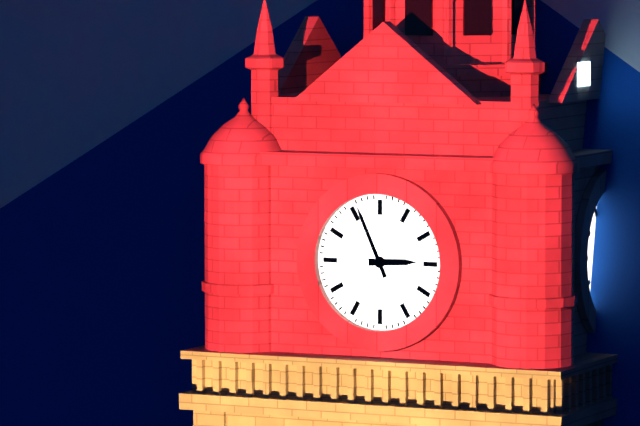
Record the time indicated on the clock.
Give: 2:56
